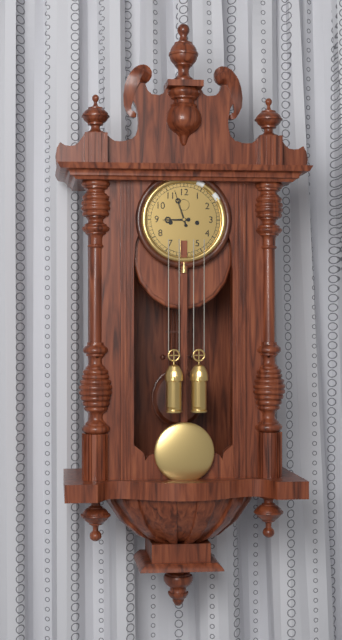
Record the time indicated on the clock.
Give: 8:57
